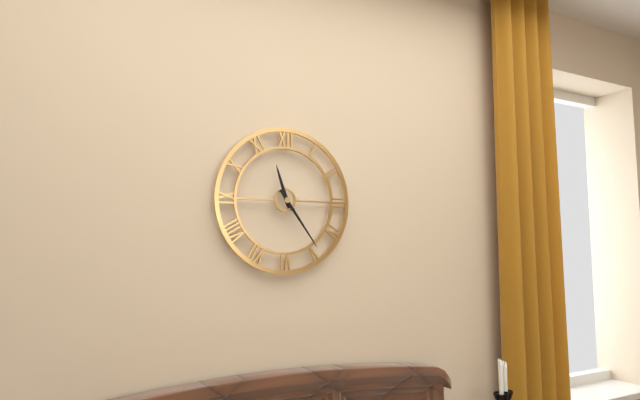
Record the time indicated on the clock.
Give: 11:24
